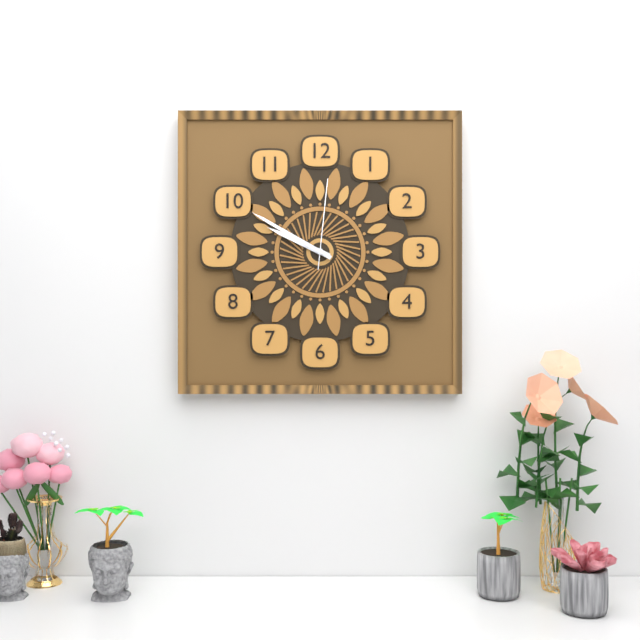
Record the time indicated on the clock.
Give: 9:50:01
